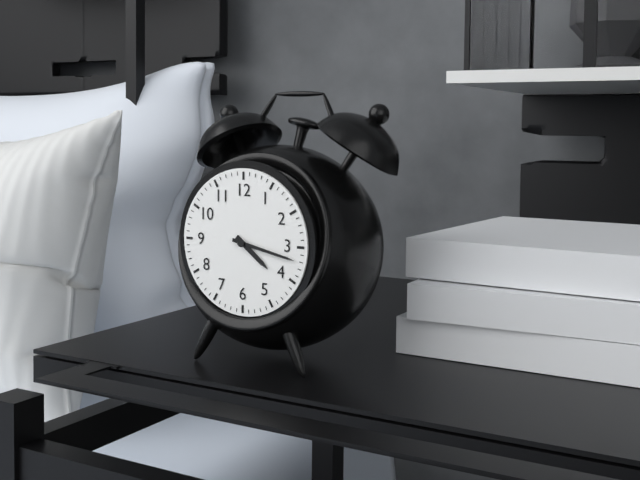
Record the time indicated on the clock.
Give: 4:17
